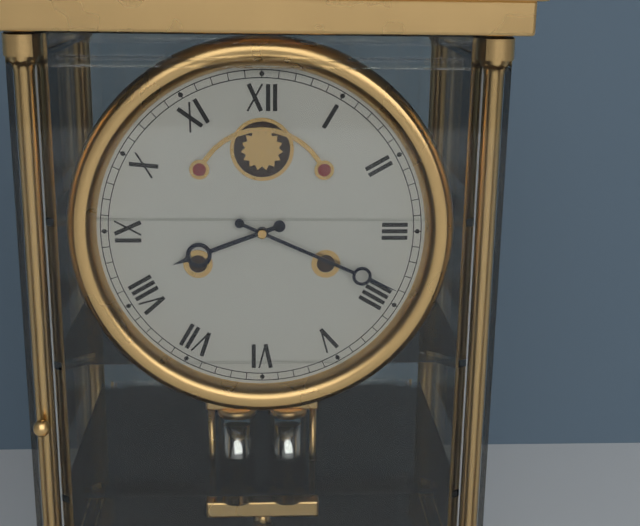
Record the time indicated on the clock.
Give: 8:19
